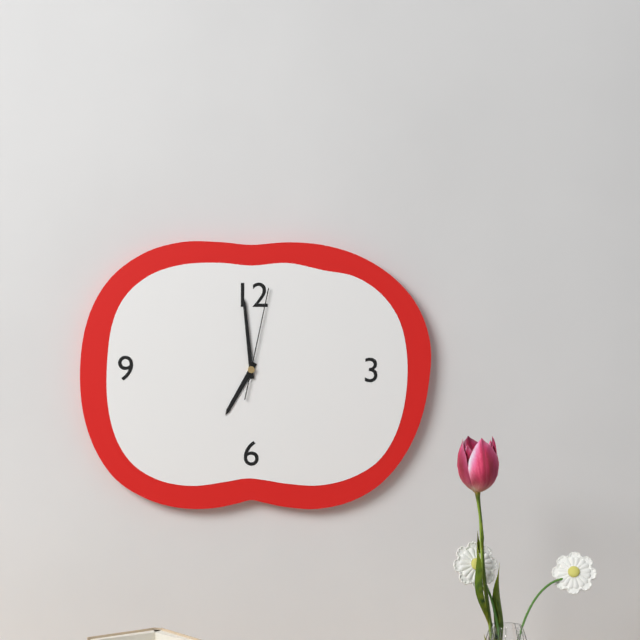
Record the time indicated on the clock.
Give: 6:59:02
